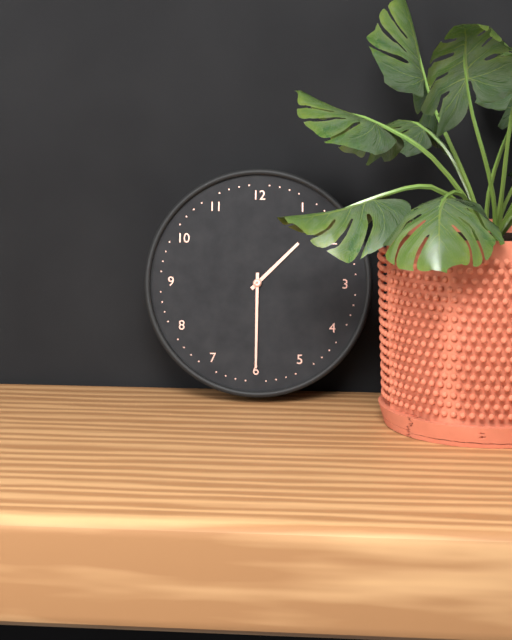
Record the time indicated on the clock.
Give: 1:30
